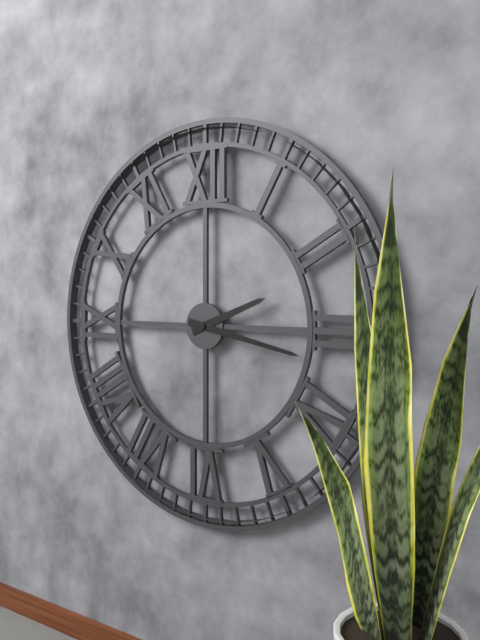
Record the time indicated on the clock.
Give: 2:17
